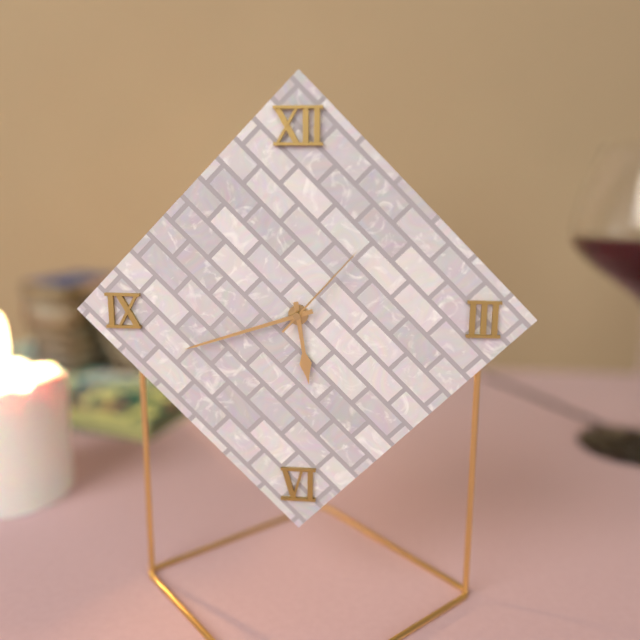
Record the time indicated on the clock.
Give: 5:42:07
